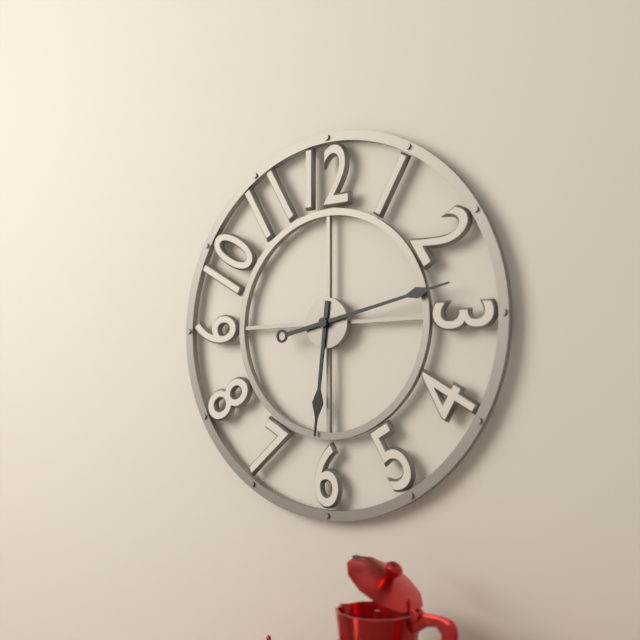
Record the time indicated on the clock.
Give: 6:13
